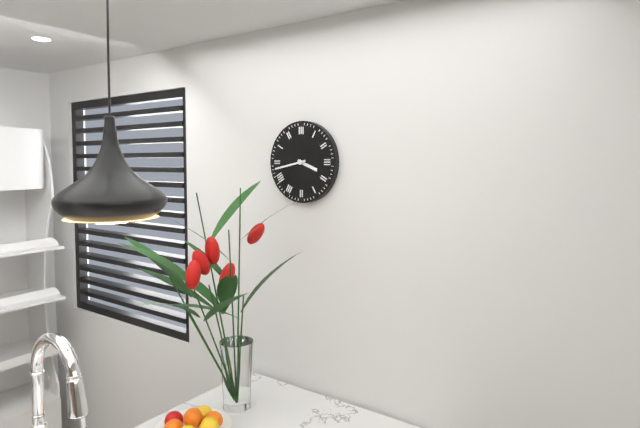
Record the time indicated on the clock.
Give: 3:43
